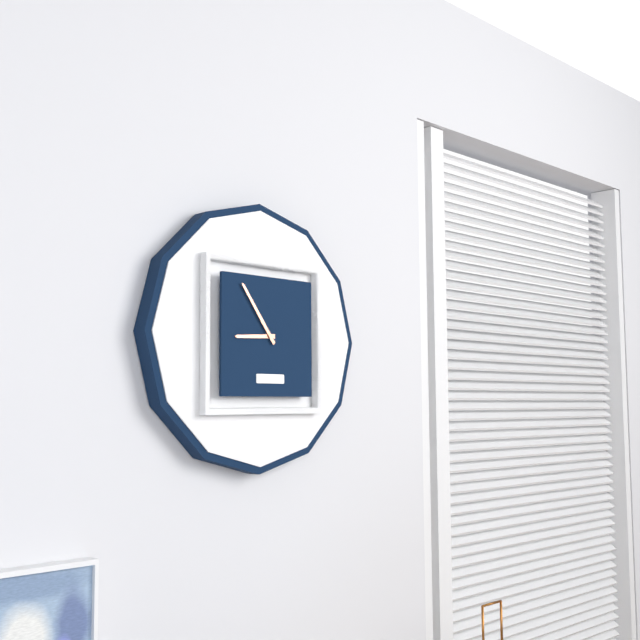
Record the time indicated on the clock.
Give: 8:54
